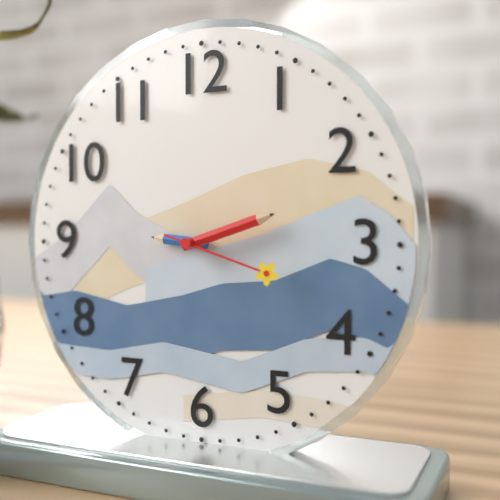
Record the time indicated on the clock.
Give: 9:12:18
